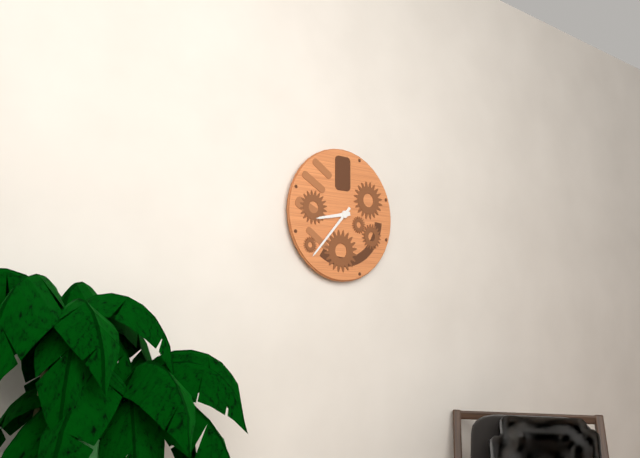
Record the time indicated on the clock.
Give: 8:37
